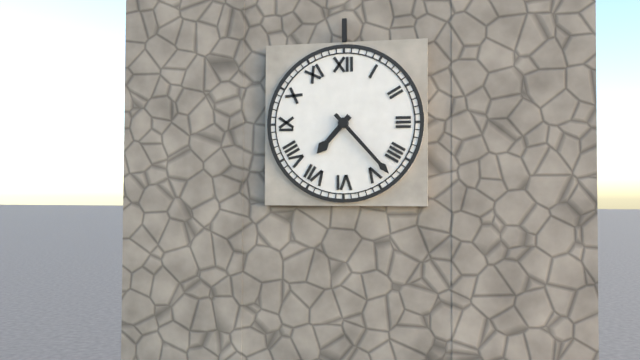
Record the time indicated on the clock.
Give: 7:23
